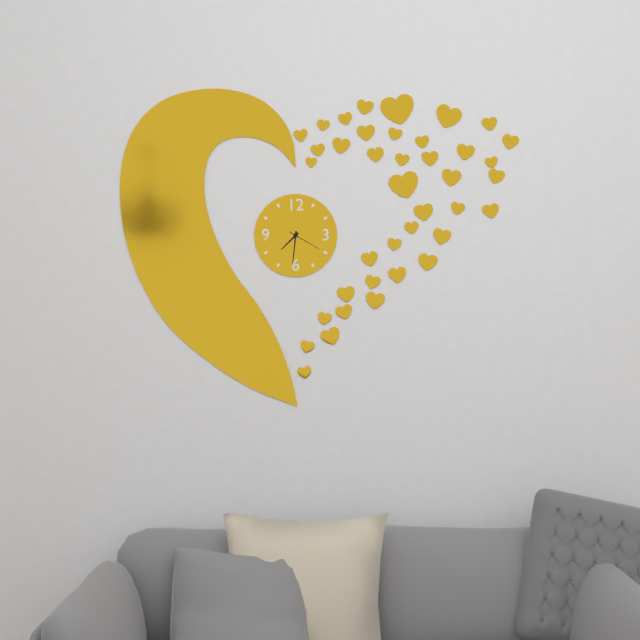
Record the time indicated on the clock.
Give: 7:31
